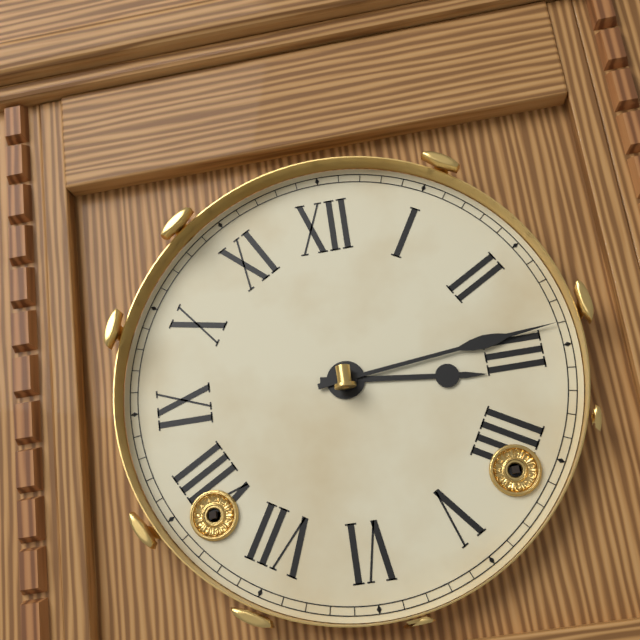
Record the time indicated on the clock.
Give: 3:14
